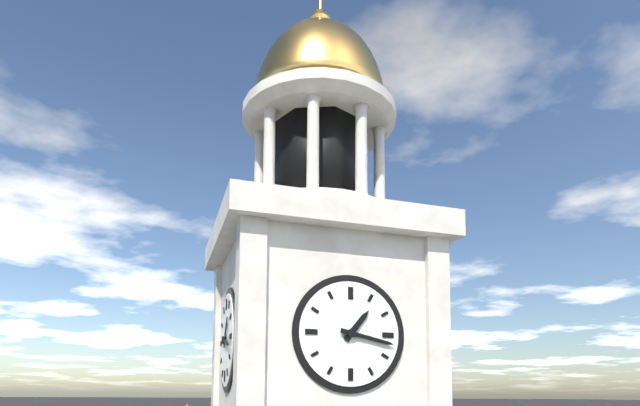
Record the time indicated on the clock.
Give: 1:17
